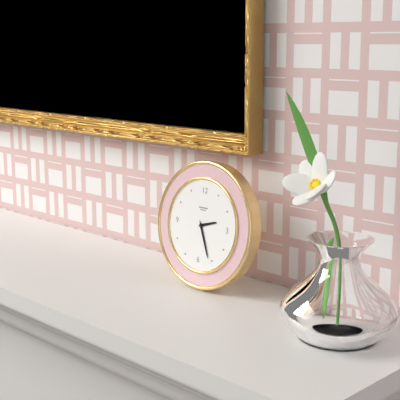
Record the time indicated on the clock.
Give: 2:26
